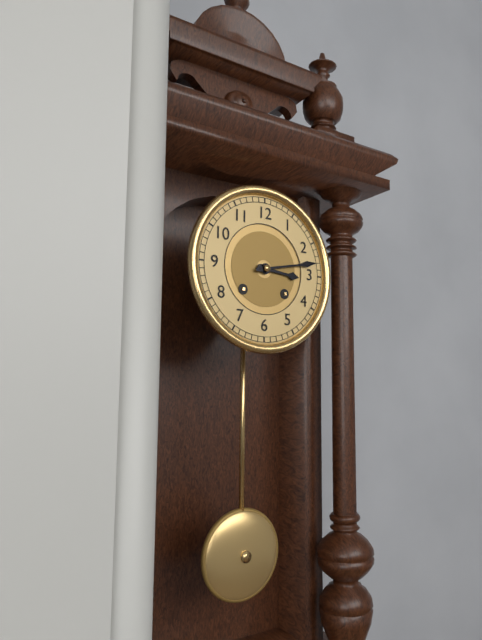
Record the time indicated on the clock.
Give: 3:13
